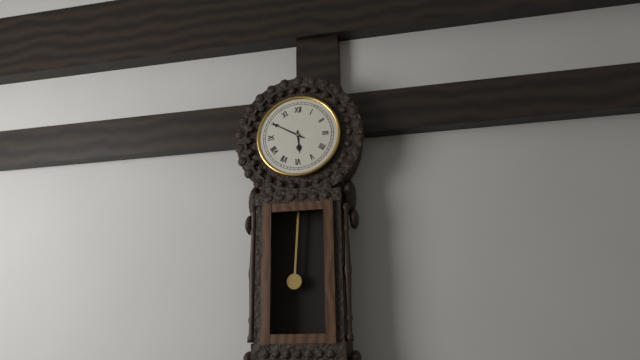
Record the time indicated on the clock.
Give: 5:50
